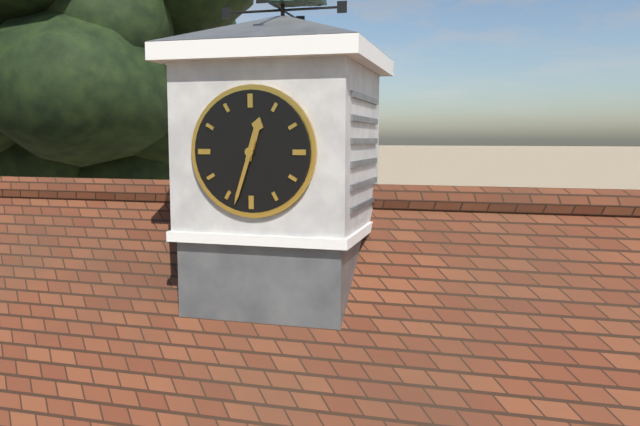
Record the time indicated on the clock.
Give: 12:33
